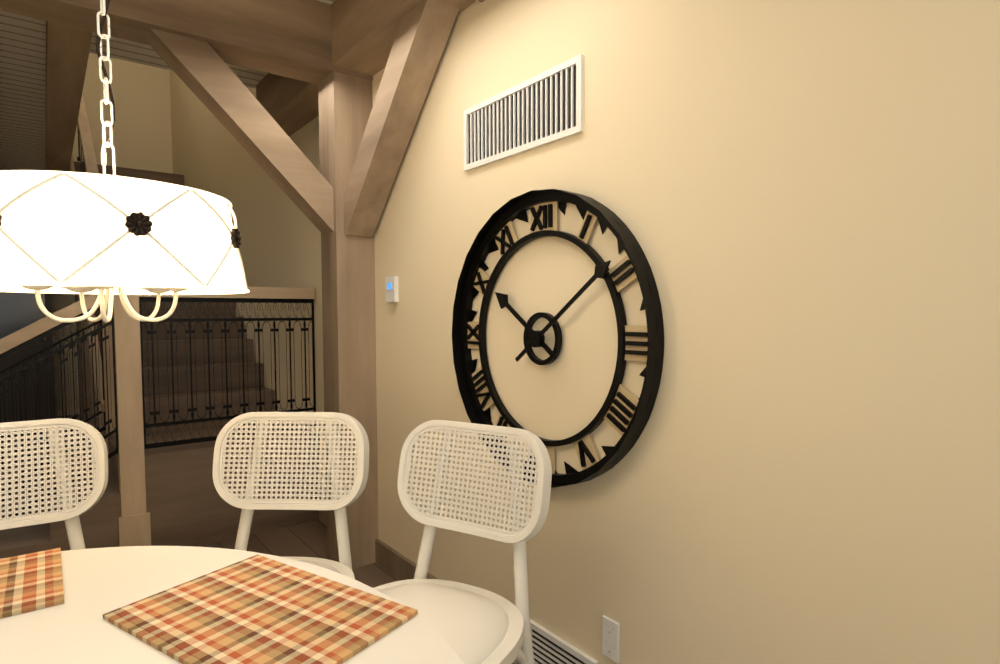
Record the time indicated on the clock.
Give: 10:09
